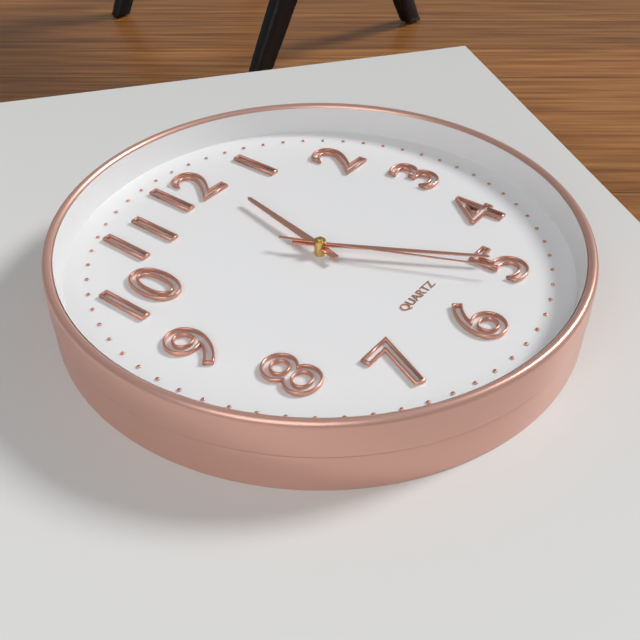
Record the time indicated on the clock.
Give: 12:25:26
